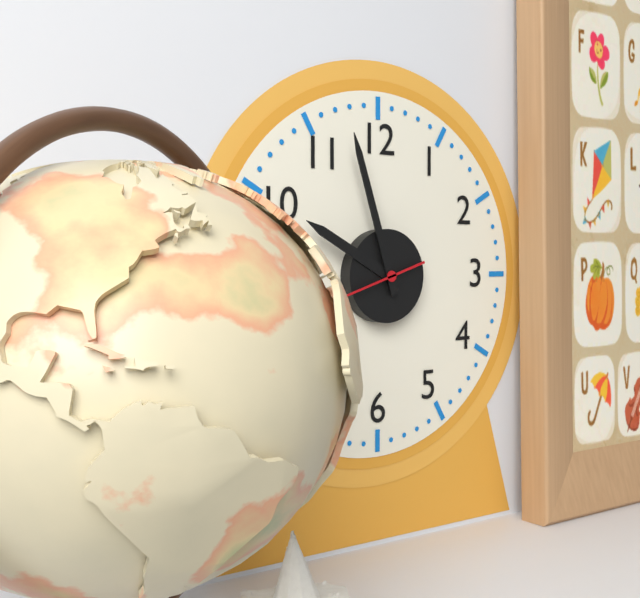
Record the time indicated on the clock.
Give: 9:57
